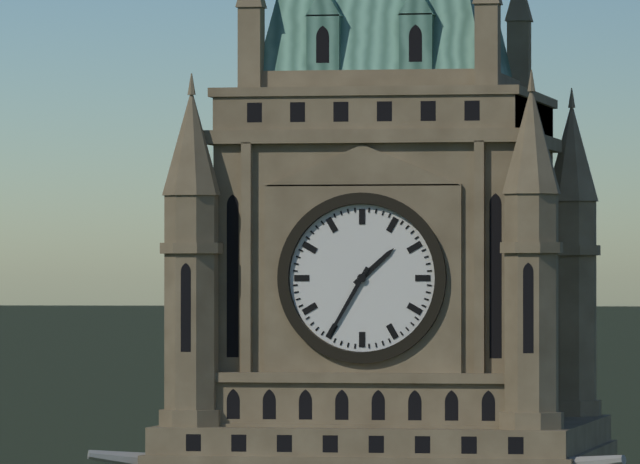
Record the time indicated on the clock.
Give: 1:35
